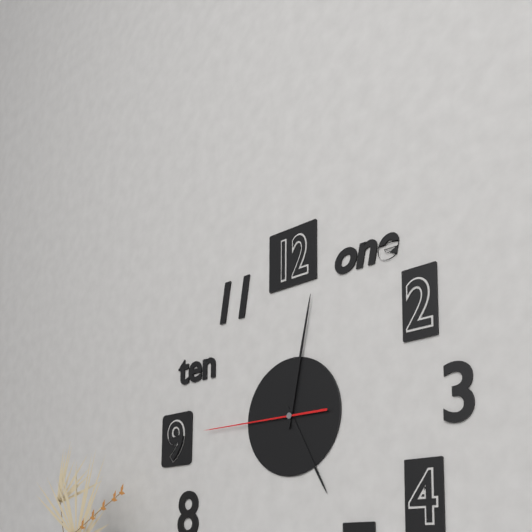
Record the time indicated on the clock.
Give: 5:02:45
